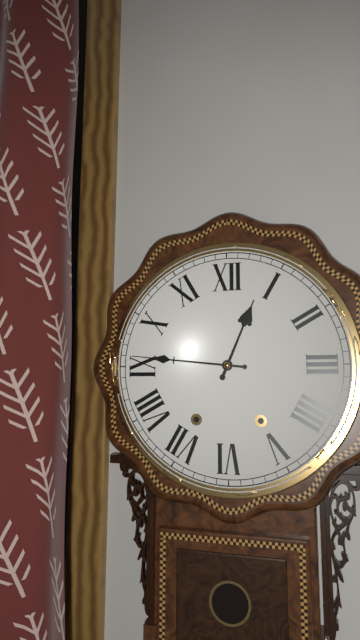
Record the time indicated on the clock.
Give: 12:46
